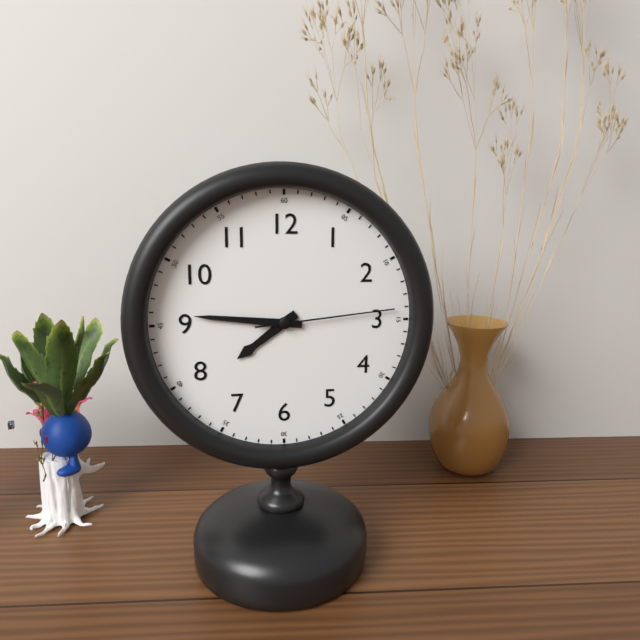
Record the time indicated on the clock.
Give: 7:46:14
